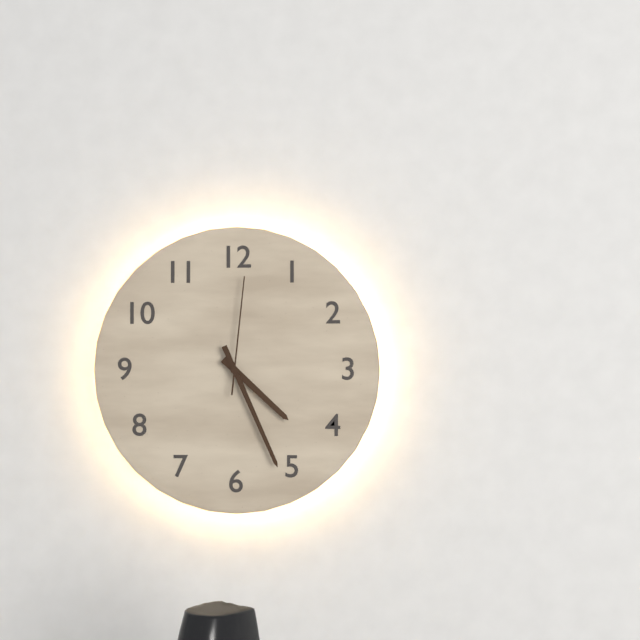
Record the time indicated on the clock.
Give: 4:26:01
